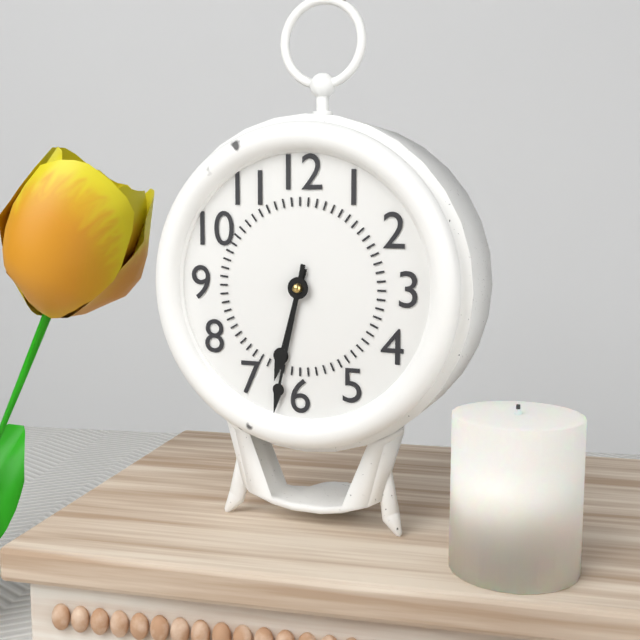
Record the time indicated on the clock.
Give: 6:32
